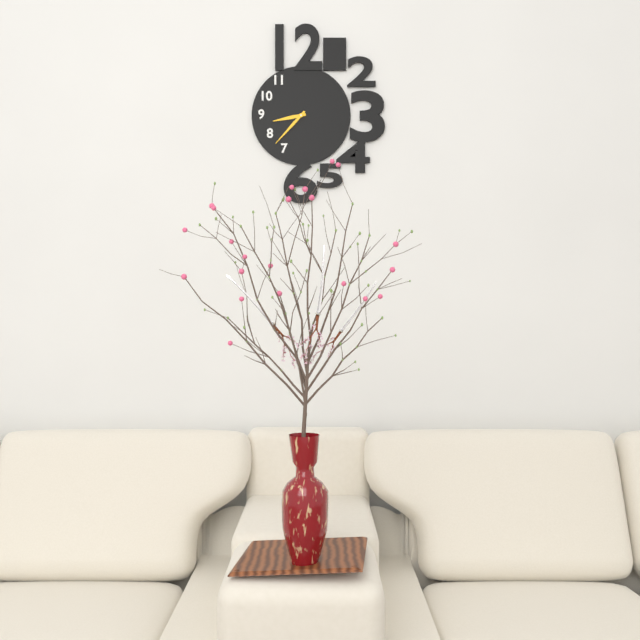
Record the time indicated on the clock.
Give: 8:37
